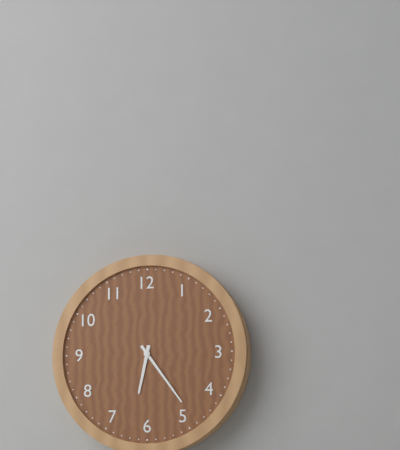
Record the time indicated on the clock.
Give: 6:24
